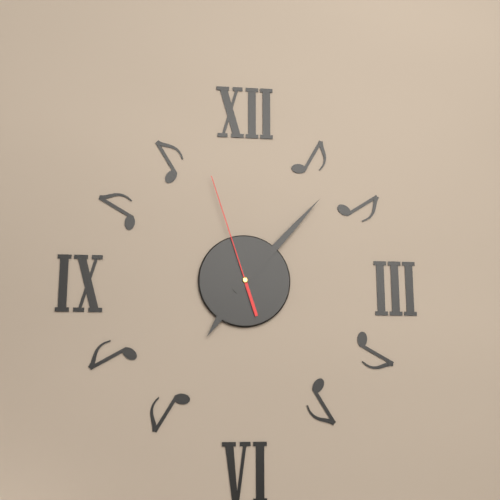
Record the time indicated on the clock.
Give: 7:07:57
